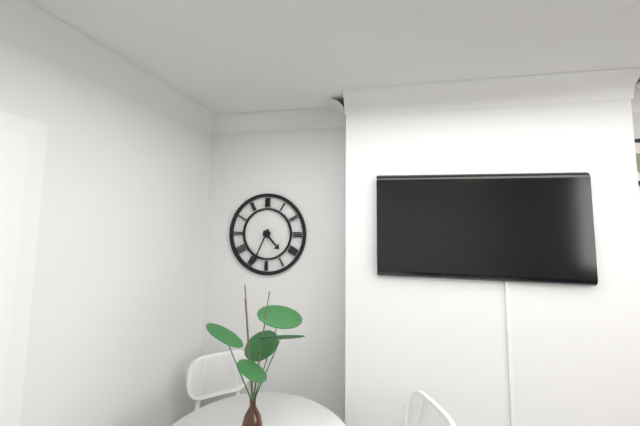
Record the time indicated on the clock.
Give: 4:34
